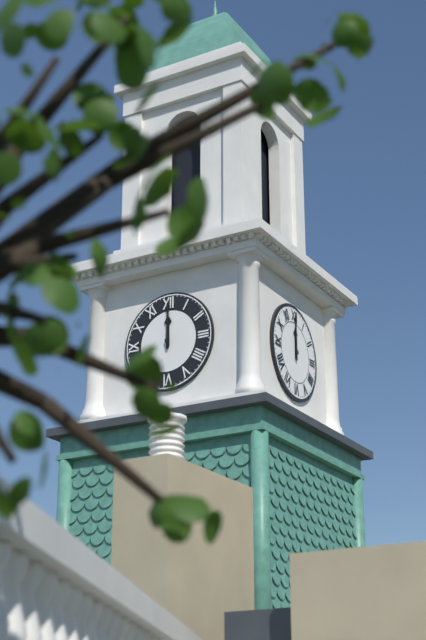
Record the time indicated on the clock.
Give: 12:00
